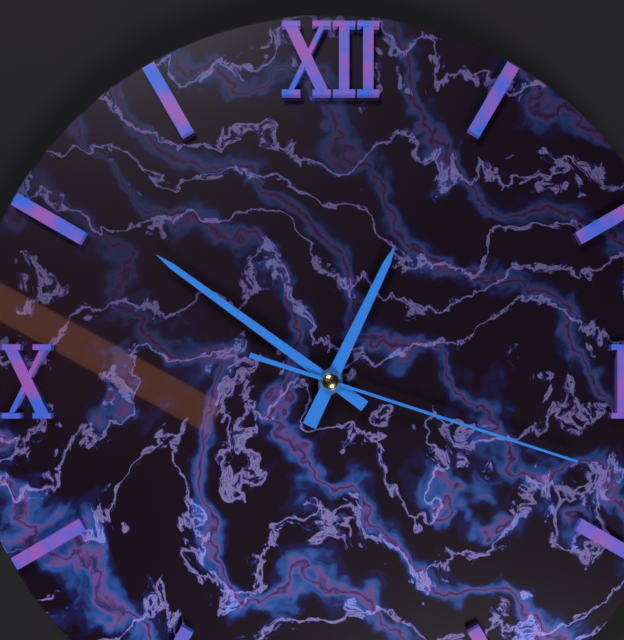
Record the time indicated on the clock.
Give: 12:51:18
